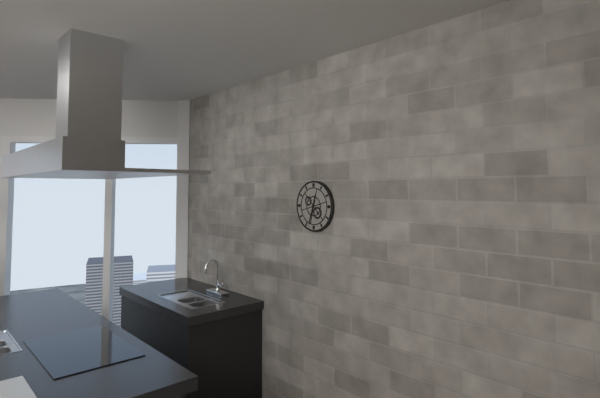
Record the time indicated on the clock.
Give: 12:33
